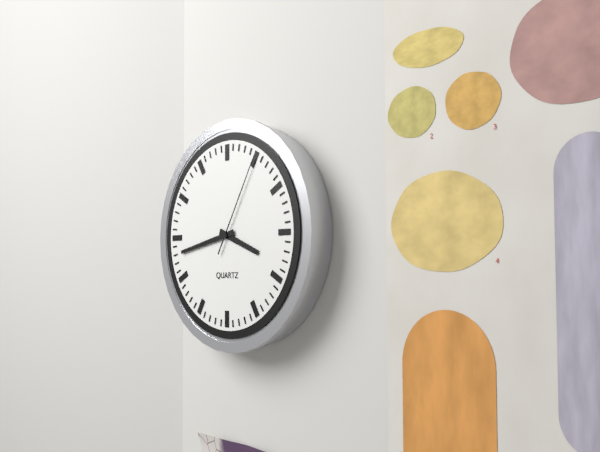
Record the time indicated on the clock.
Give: 3:43:05
